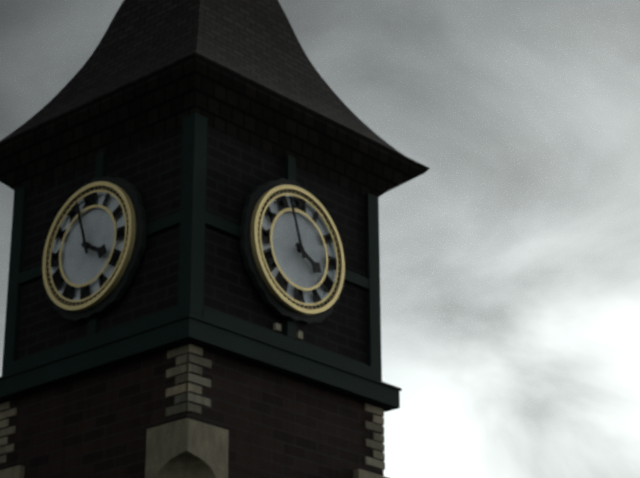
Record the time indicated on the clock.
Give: 3:57
